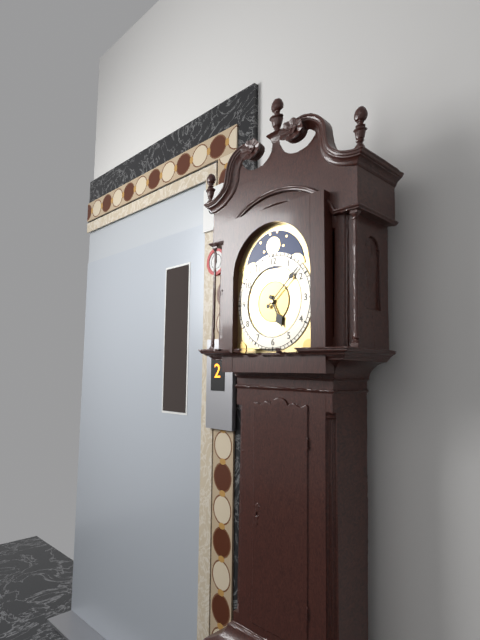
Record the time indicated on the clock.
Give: 5:08
